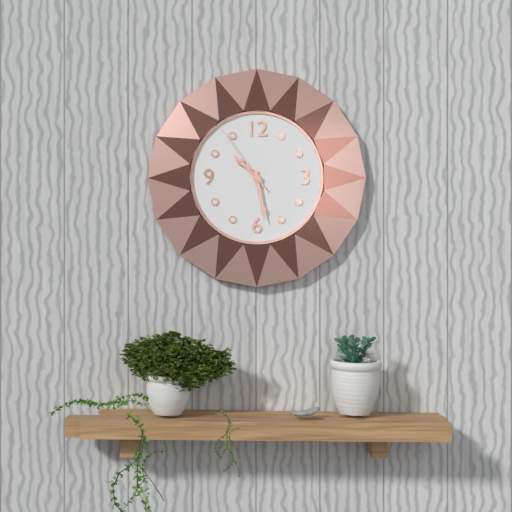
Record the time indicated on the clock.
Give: 10:28:54
